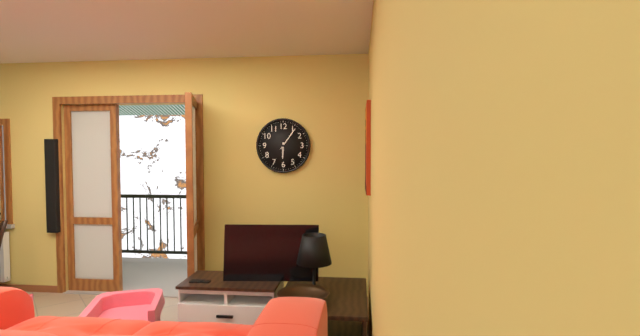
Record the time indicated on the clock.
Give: 6:06
